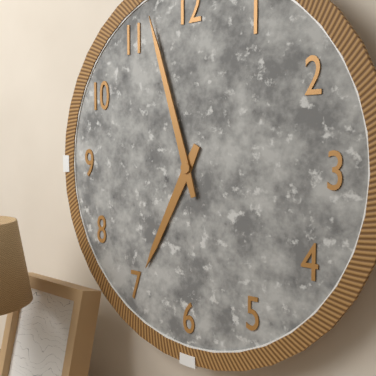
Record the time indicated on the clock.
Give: 6:57
